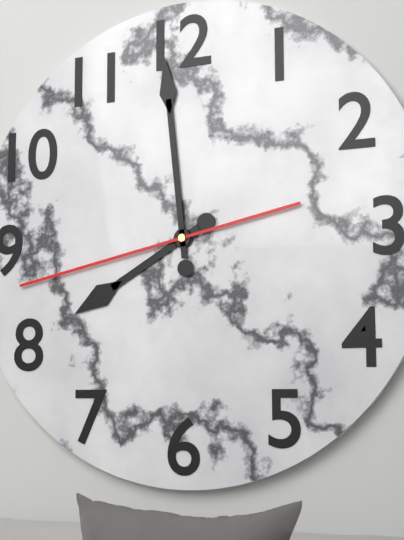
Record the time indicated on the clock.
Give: 7:59:43
